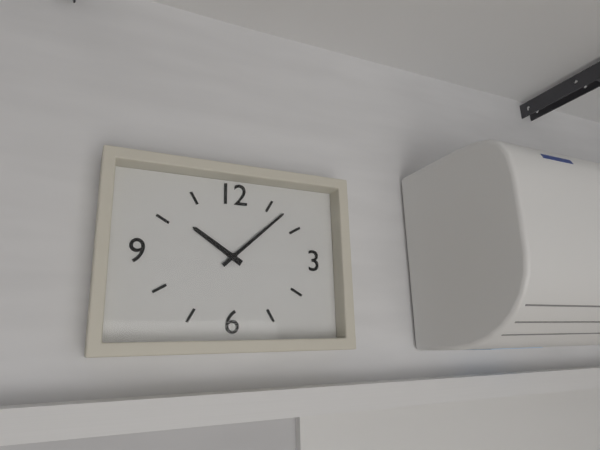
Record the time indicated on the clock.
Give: 10:08
